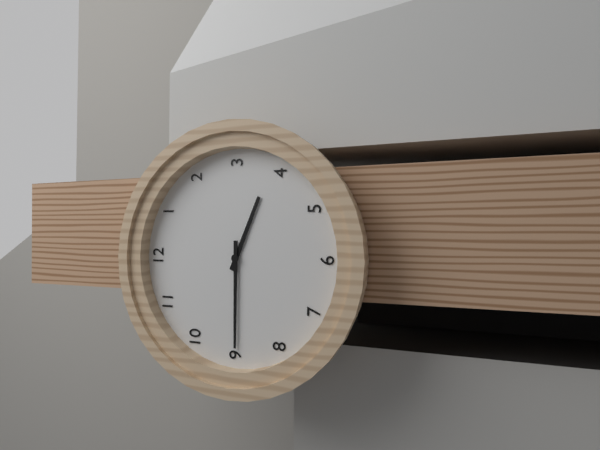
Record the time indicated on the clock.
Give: 3:45
